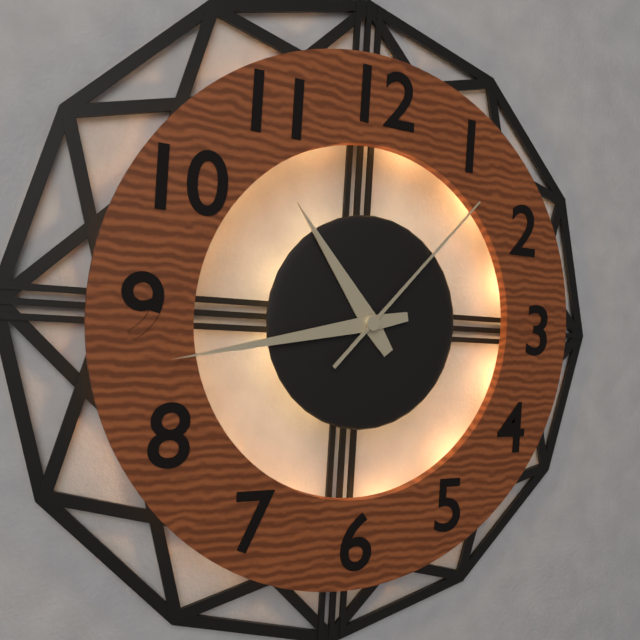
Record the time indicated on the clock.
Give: 10:43:07
